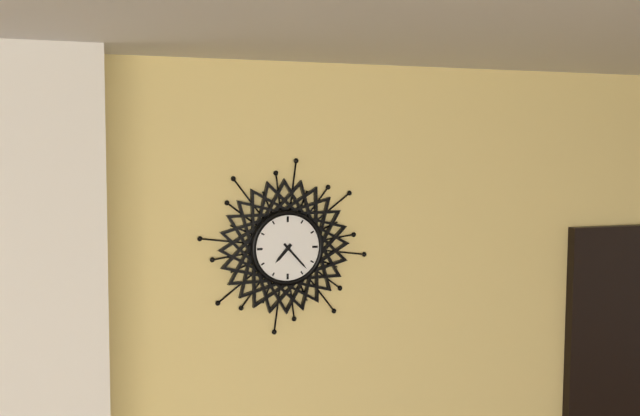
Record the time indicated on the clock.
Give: 7:23
